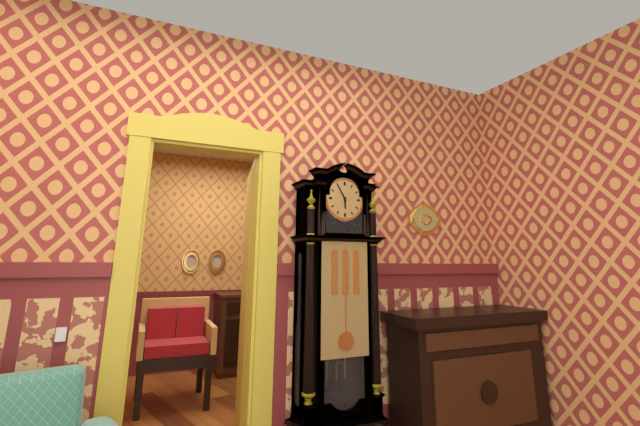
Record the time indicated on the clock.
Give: 5:55
